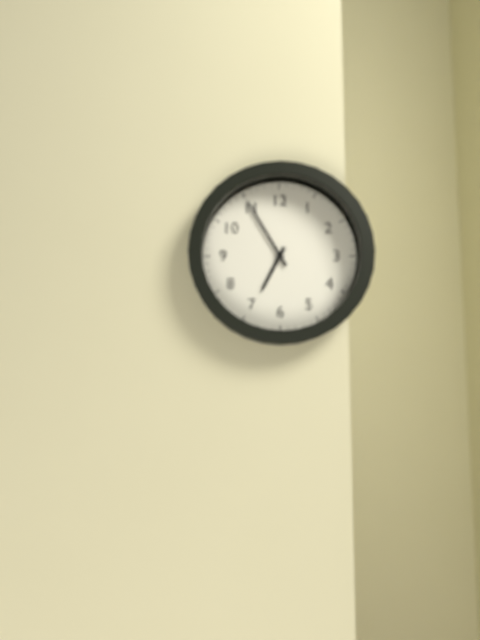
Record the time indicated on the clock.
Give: 6:55
